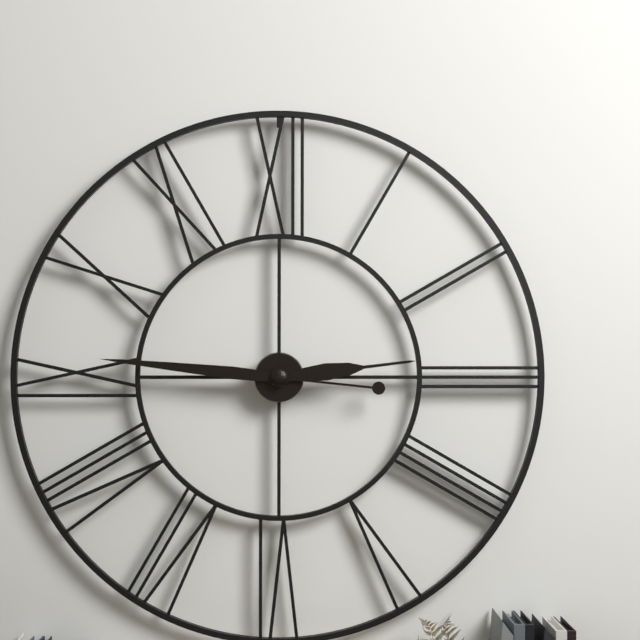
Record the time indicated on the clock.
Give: 2:46
